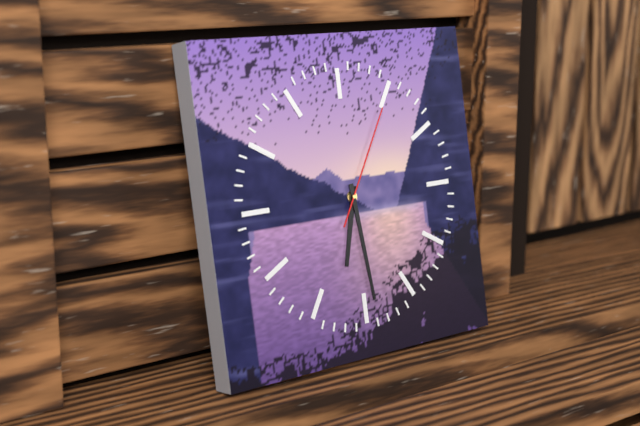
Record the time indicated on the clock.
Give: 6:29:05
